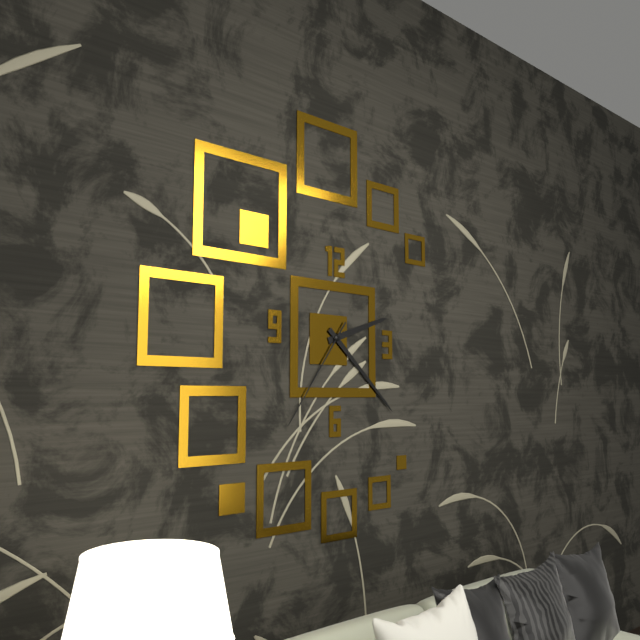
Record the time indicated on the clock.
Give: 2:22:36
